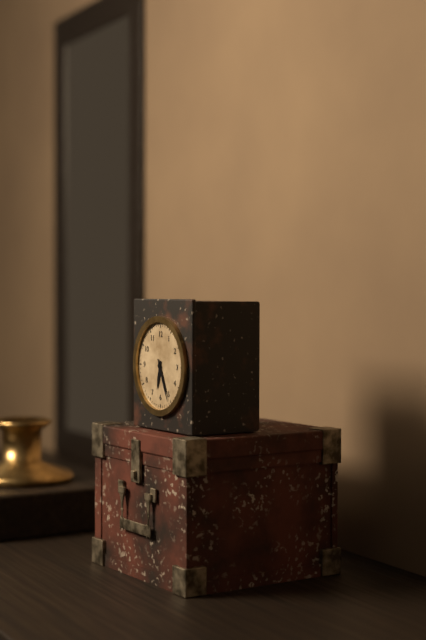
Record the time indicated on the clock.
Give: 6:26
